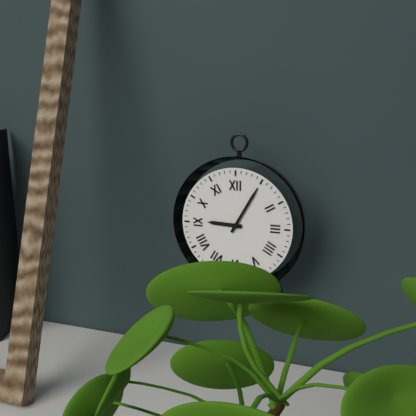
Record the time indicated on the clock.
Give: 9:05
